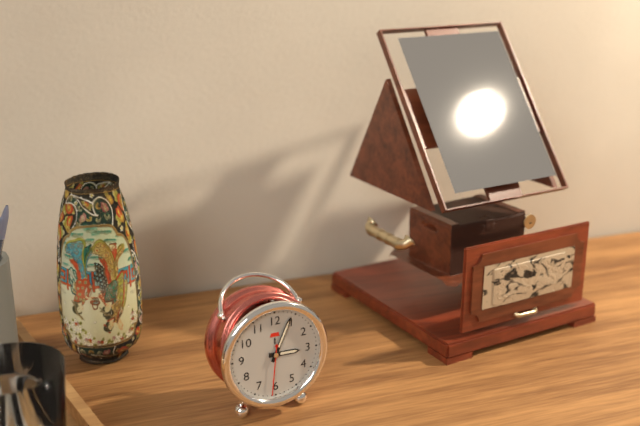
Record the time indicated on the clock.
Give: 3:04:31
